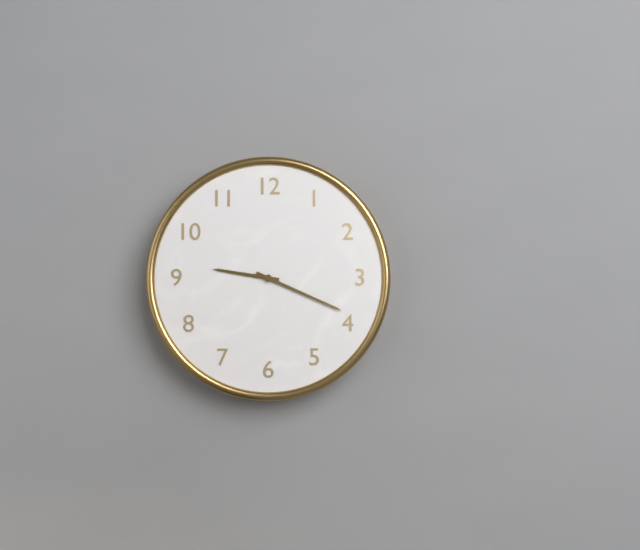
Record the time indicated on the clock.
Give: 9:19
